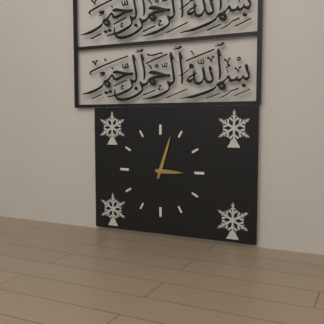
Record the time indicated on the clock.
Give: 3:03
